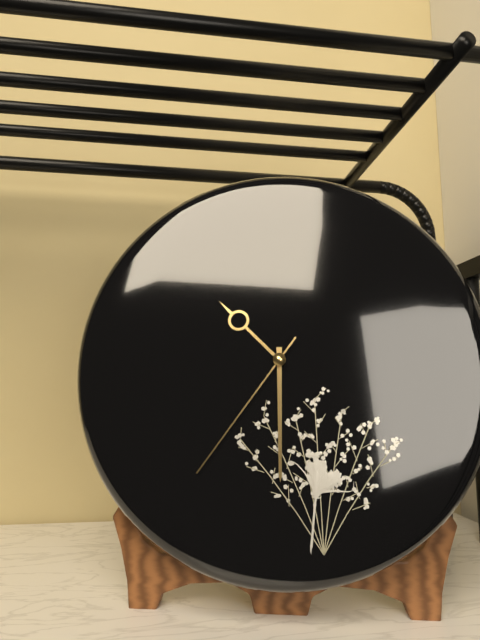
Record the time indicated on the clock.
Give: 10:30:36
